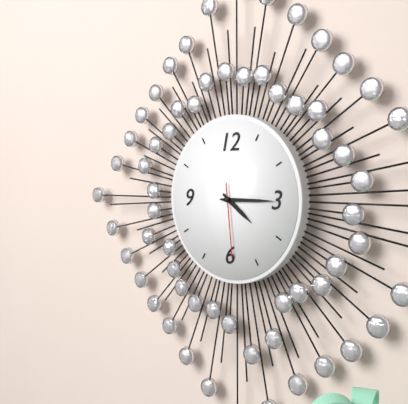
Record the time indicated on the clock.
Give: 4:15:29
